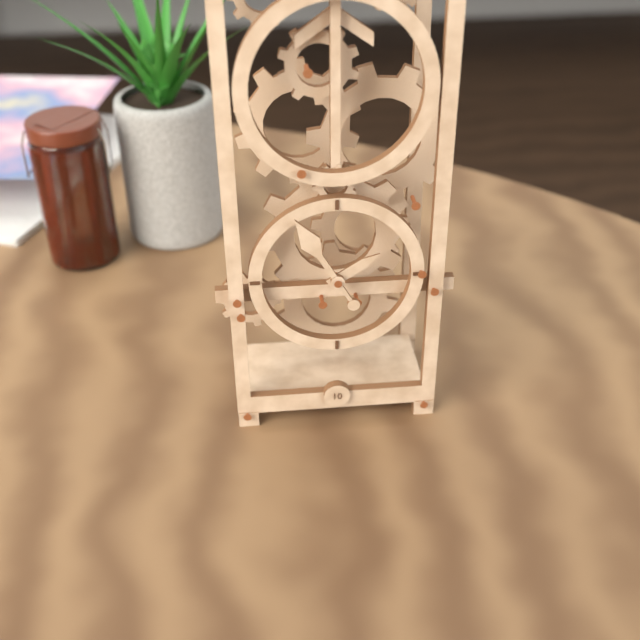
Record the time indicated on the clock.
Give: 1:55
